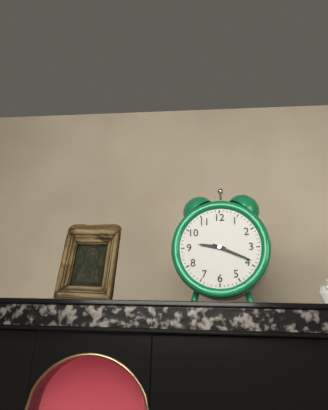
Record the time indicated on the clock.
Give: 9:19
